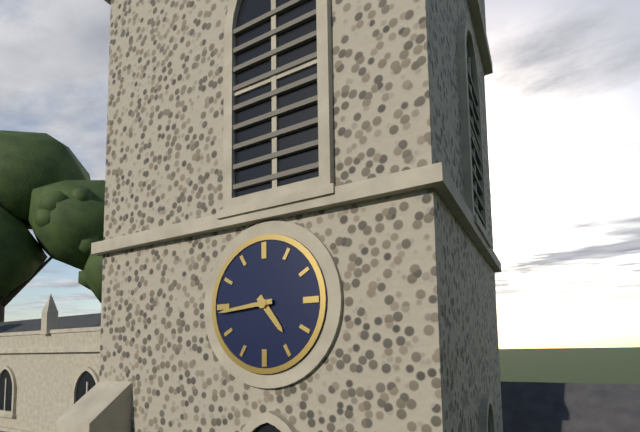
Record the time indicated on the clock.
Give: 4:44
